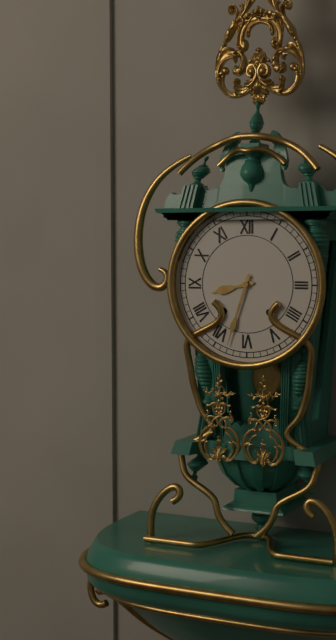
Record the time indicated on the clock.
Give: 8:33
